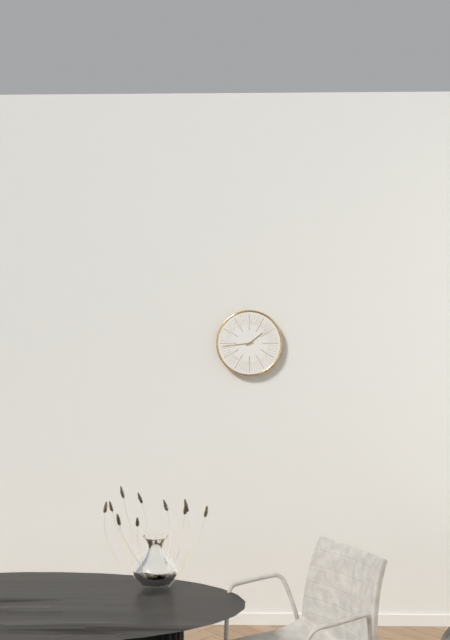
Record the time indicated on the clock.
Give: 1:44
